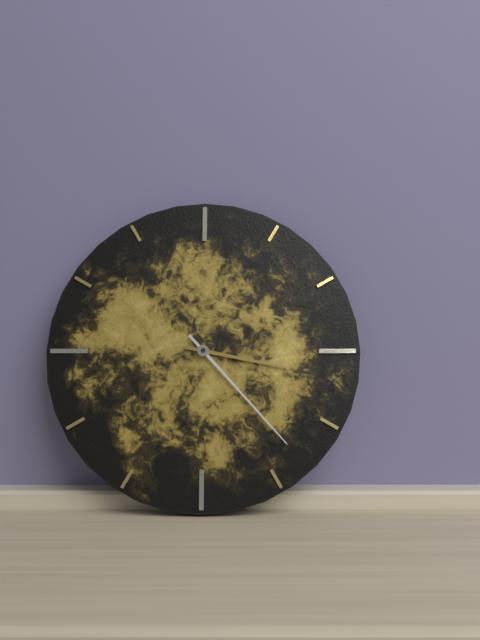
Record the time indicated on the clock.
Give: 3:23
